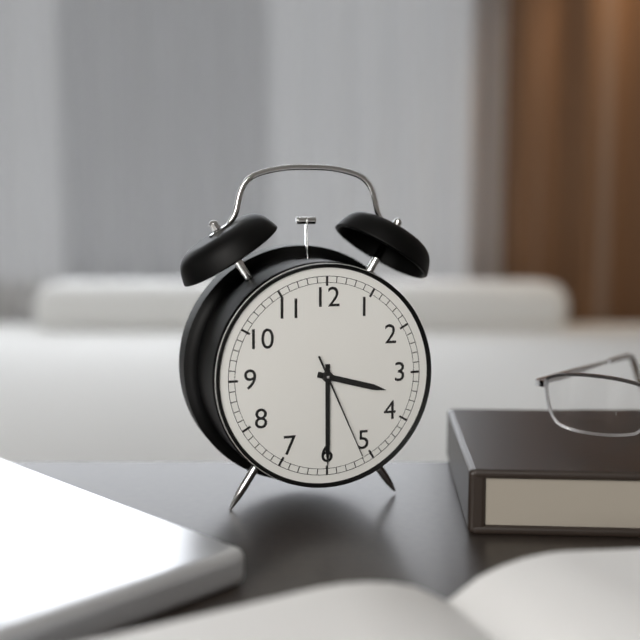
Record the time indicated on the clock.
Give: 3:30:26
